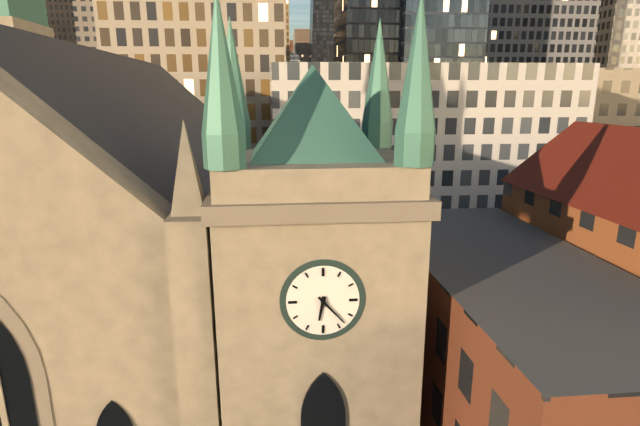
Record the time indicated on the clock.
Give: 6:23
